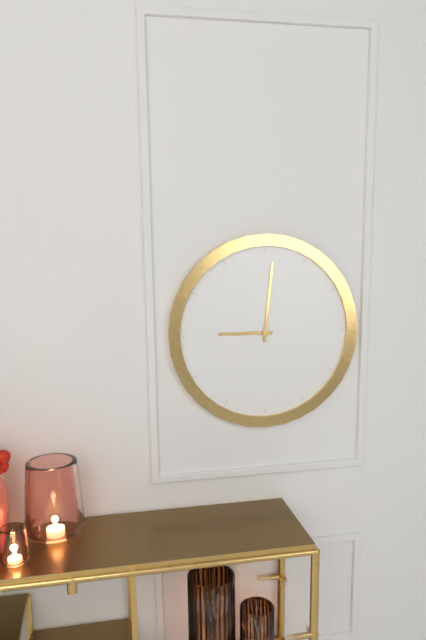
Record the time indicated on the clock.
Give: 9:01
